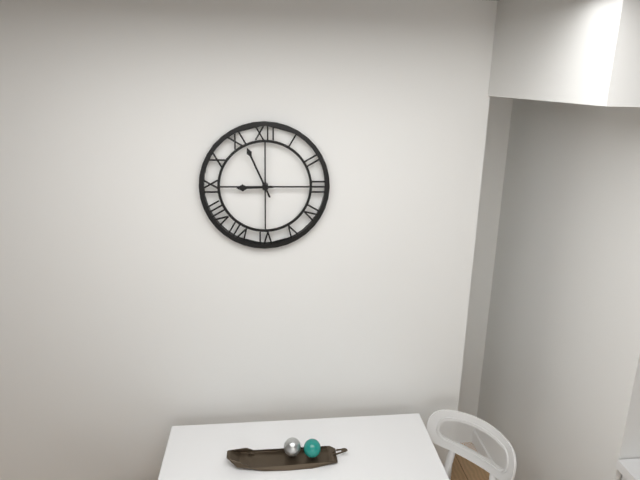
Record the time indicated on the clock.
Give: 8:56
